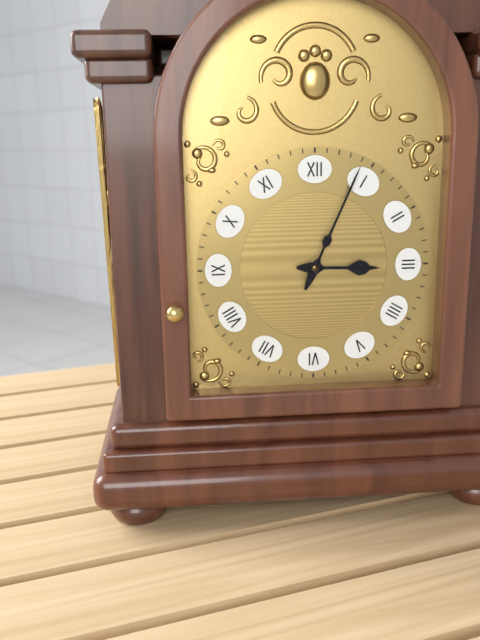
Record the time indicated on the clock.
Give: 3:04
